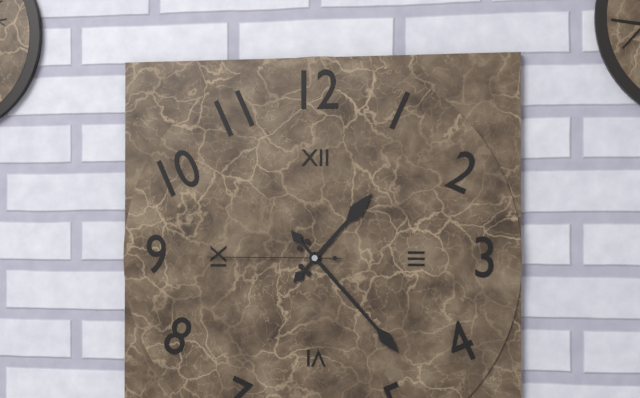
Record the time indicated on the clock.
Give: 1:23:45
